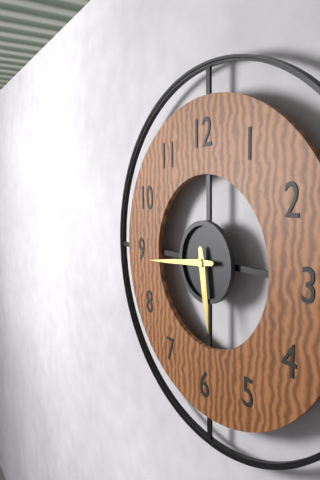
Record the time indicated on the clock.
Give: 5:44
